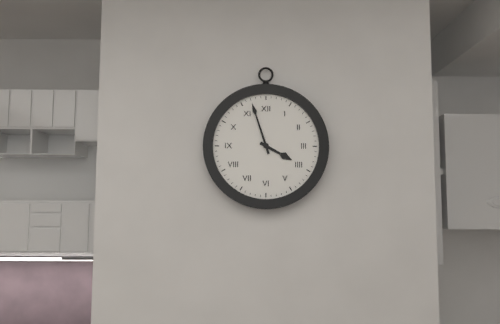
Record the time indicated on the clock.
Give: 3:57
